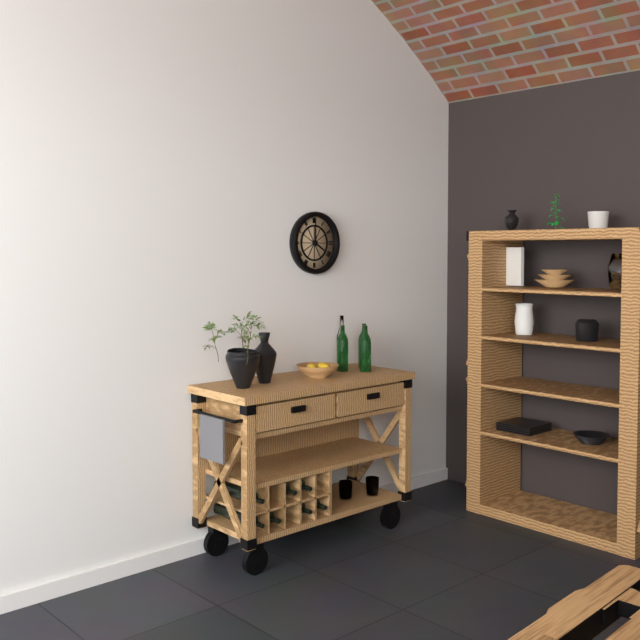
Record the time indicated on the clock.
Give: 4:00
